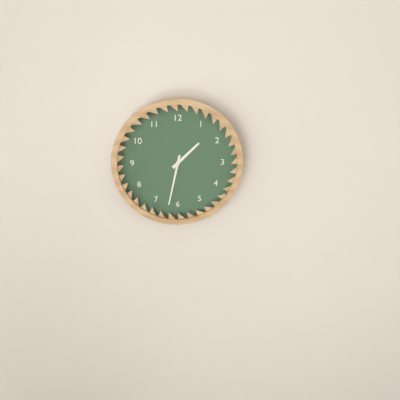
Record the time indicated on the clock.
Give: 1:32
